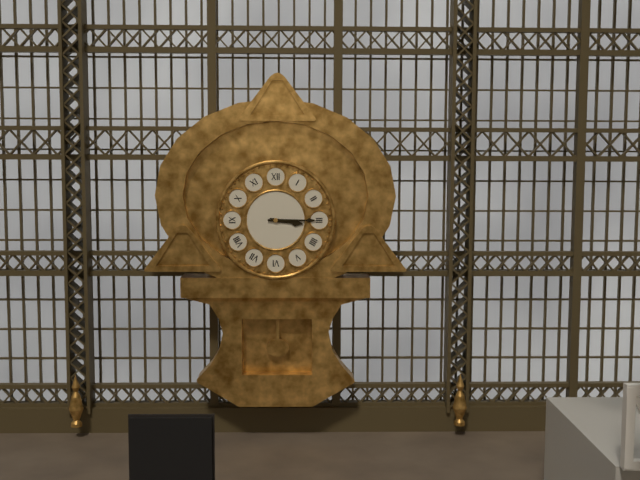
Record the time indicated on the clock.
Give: 3:15
